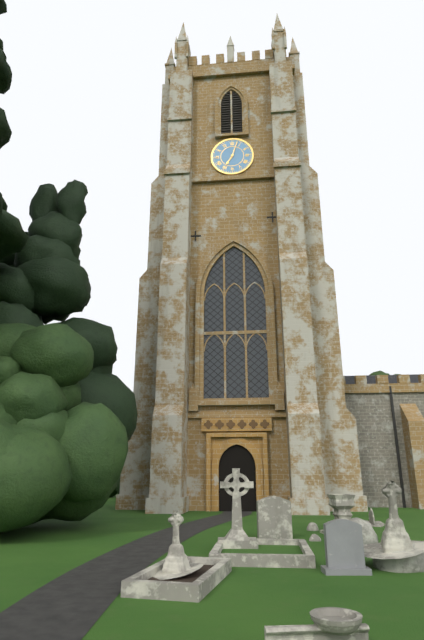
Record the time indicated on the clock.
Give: 7:03
